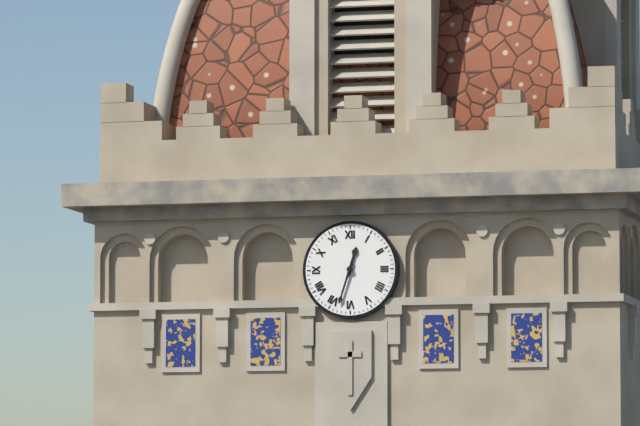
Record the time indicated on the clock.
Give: 12:33
